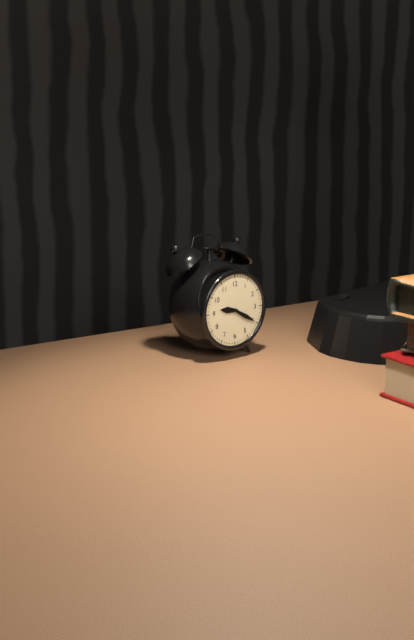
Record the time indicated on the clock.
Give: 9:20
